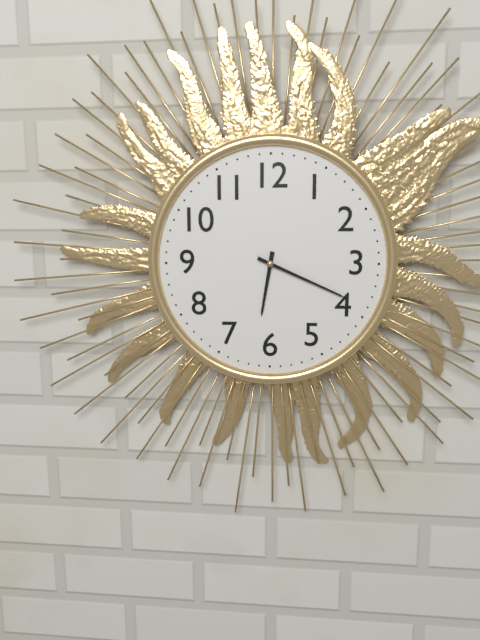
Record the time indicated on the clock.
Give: 6:19
